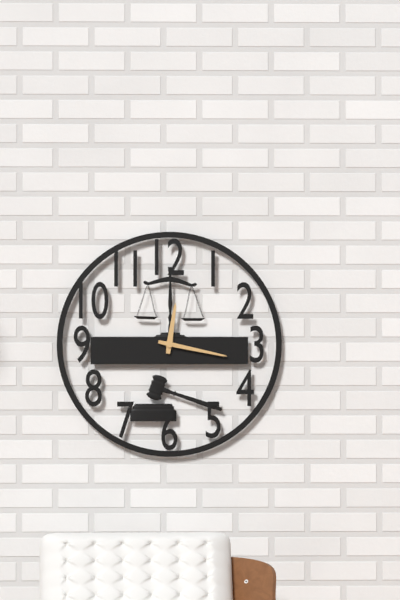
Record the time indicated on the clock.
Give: 12:17
